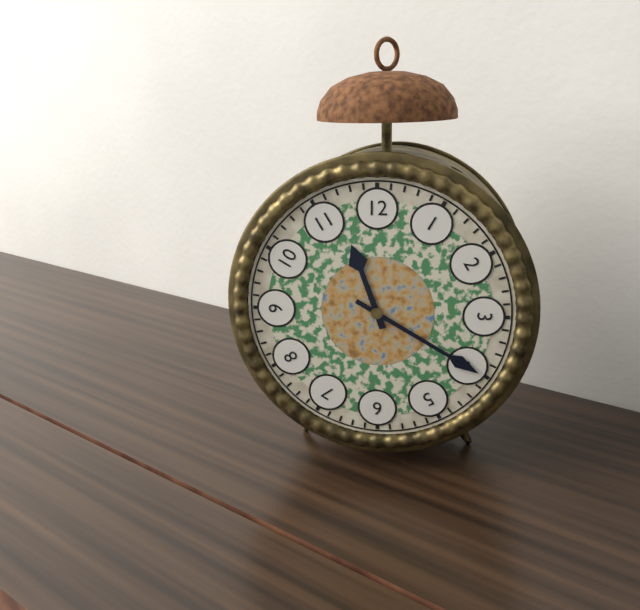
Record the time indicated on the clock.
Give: 11:20
